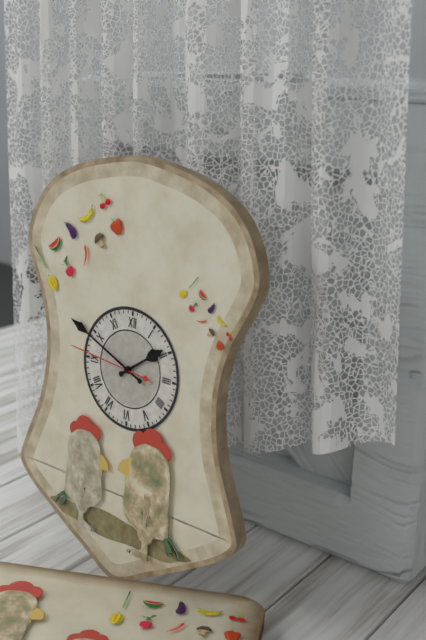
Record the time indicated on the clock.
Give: 1:49:46
